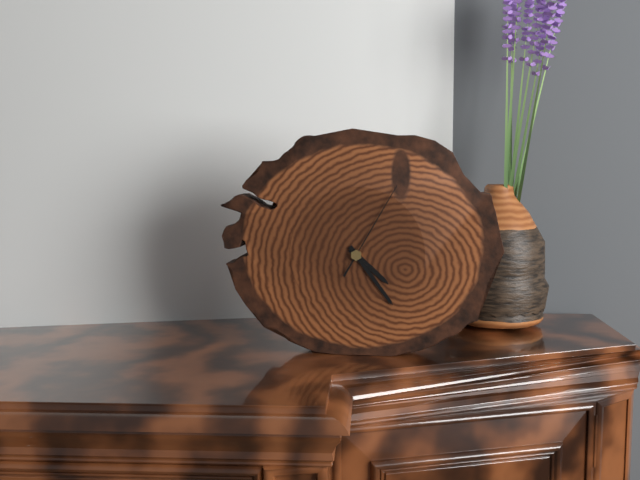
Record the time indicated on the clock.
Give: 4:24:05
